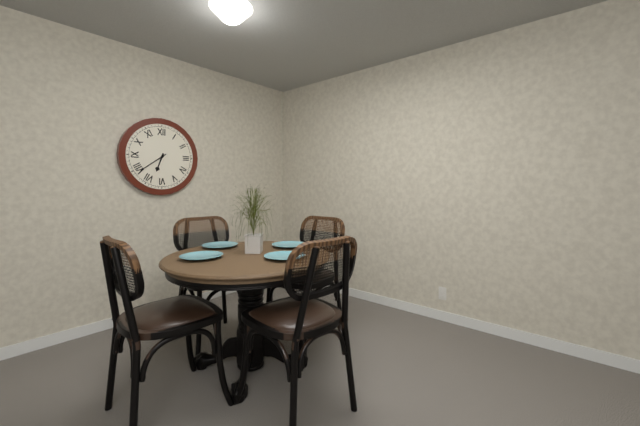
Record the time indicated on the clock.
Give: 6:39
